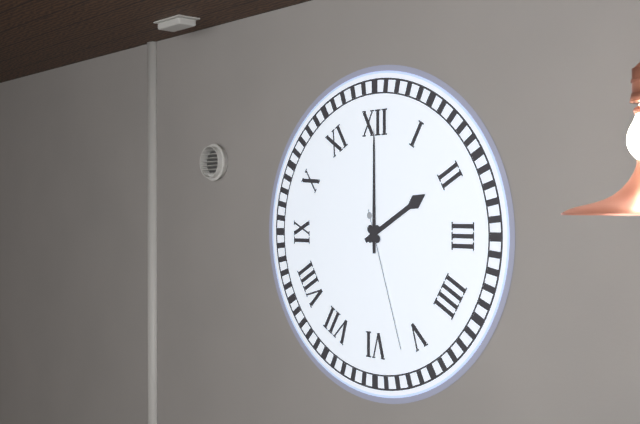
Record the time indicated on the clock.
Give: 2:00:27
